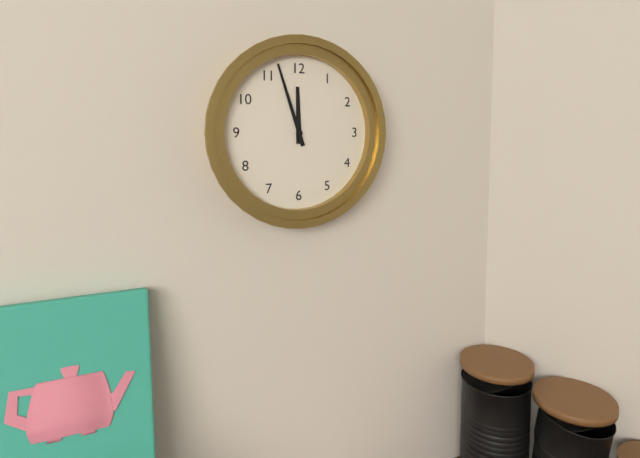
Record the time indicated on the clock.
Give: 11:57
